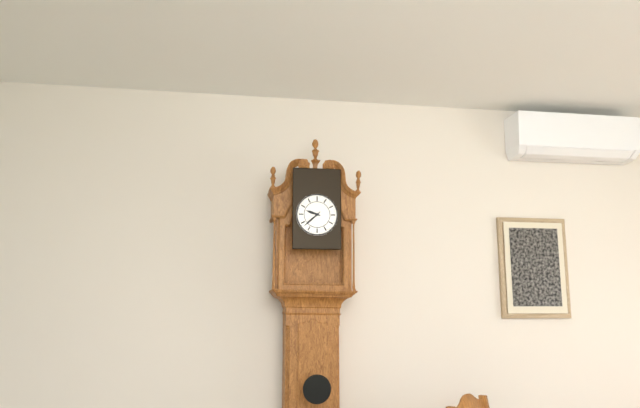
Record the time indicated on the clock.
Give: 9:38
